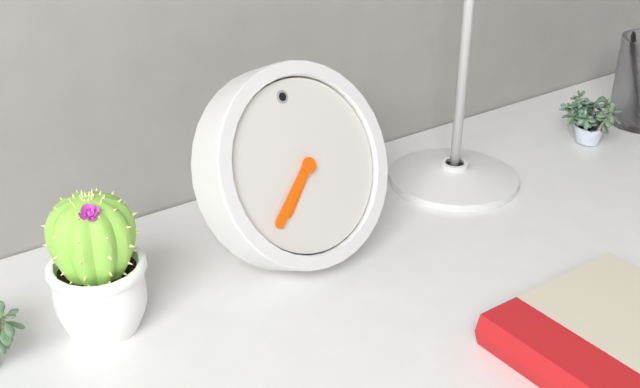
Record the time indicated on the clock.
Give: 7:39
